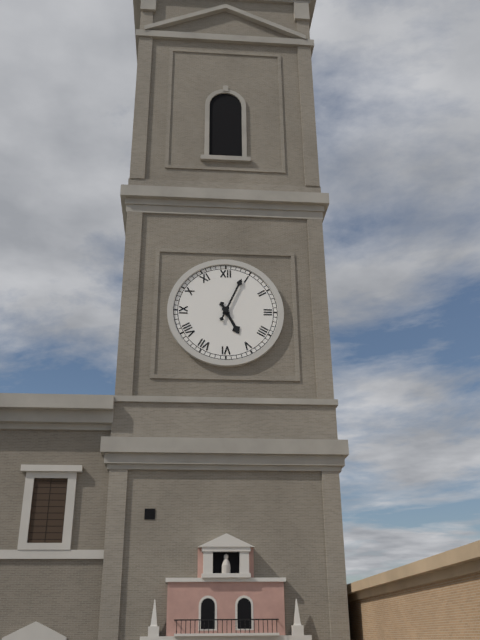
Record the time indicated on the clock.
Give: 5:04
